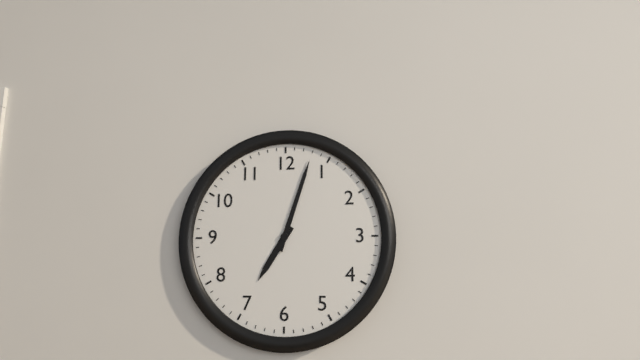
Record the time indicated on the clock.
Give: 7:03
